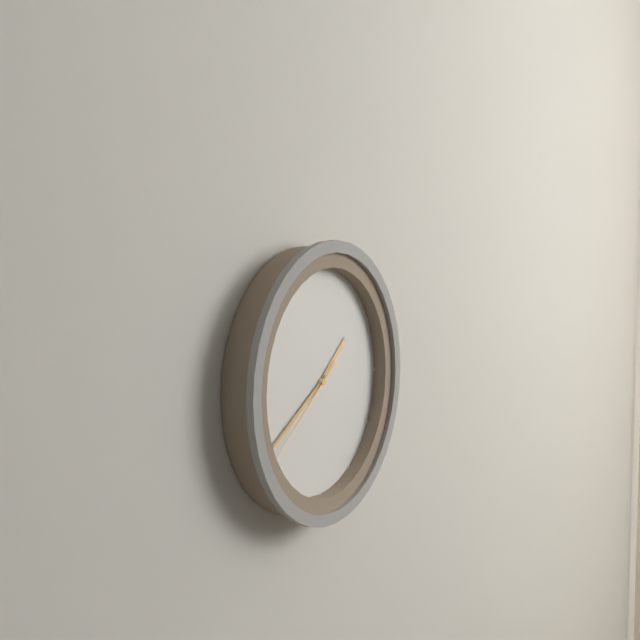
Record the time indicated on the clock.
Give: 1:40:39
